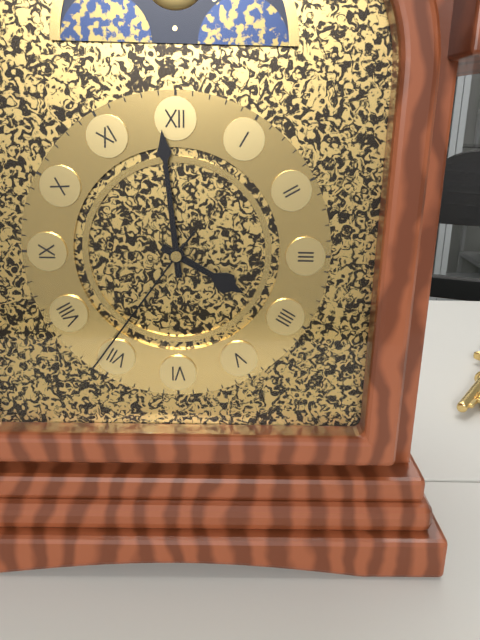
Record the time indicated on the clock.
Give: 3:59:36
